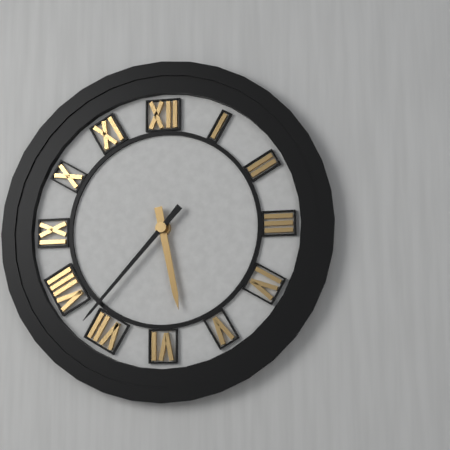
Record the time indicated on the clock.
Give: 5:37
